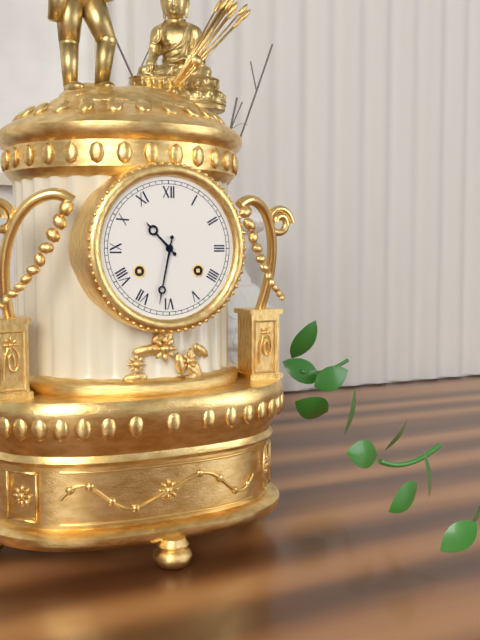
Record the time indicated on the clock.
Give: 10:32
